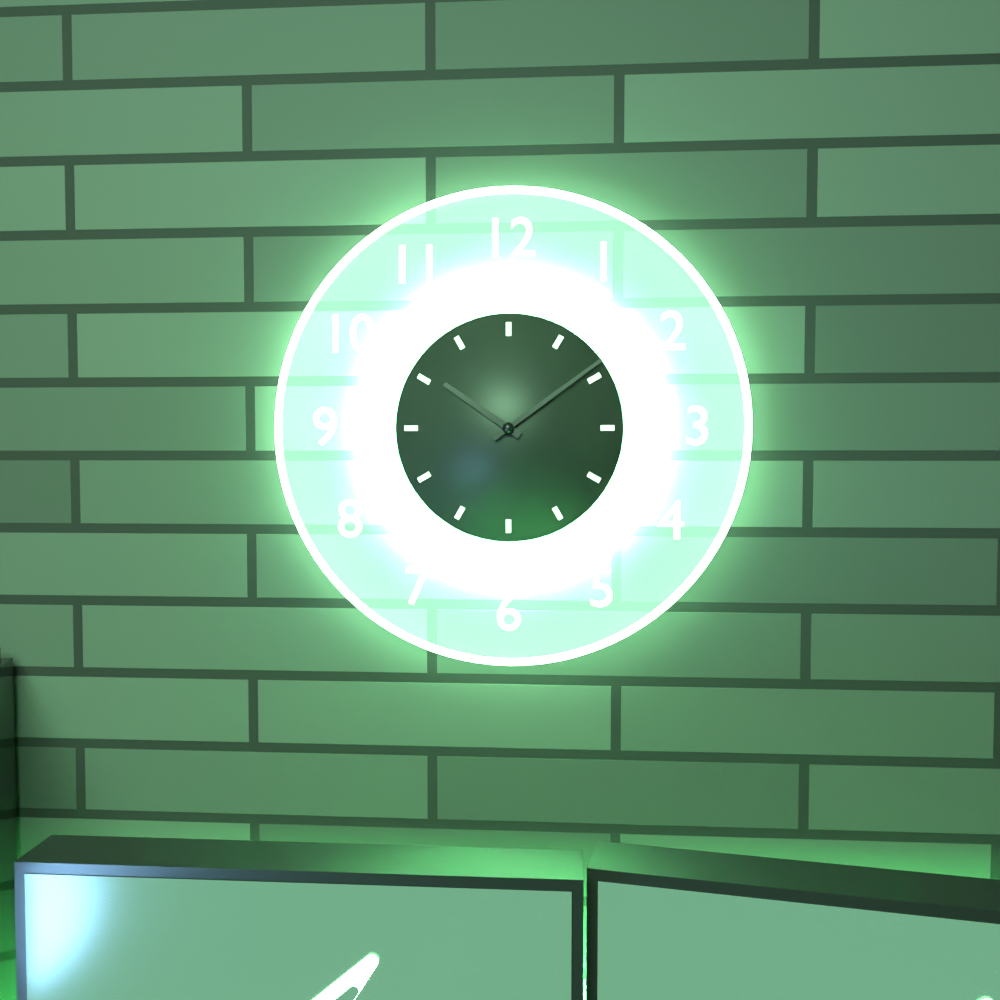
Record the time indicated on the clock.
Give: 10:09
